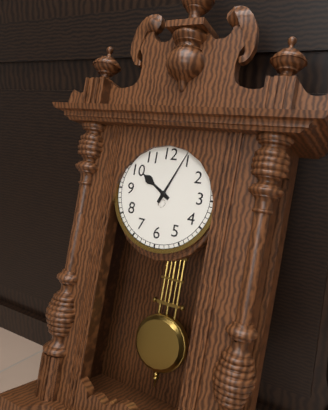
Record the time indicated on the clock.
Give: 10:04
